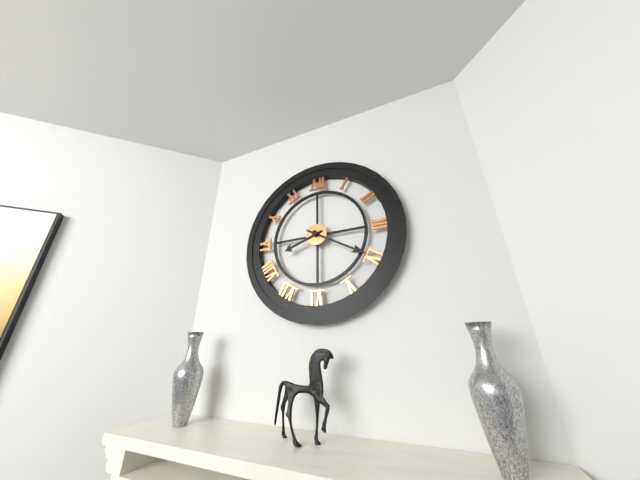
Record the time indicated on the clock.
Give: 8:20
